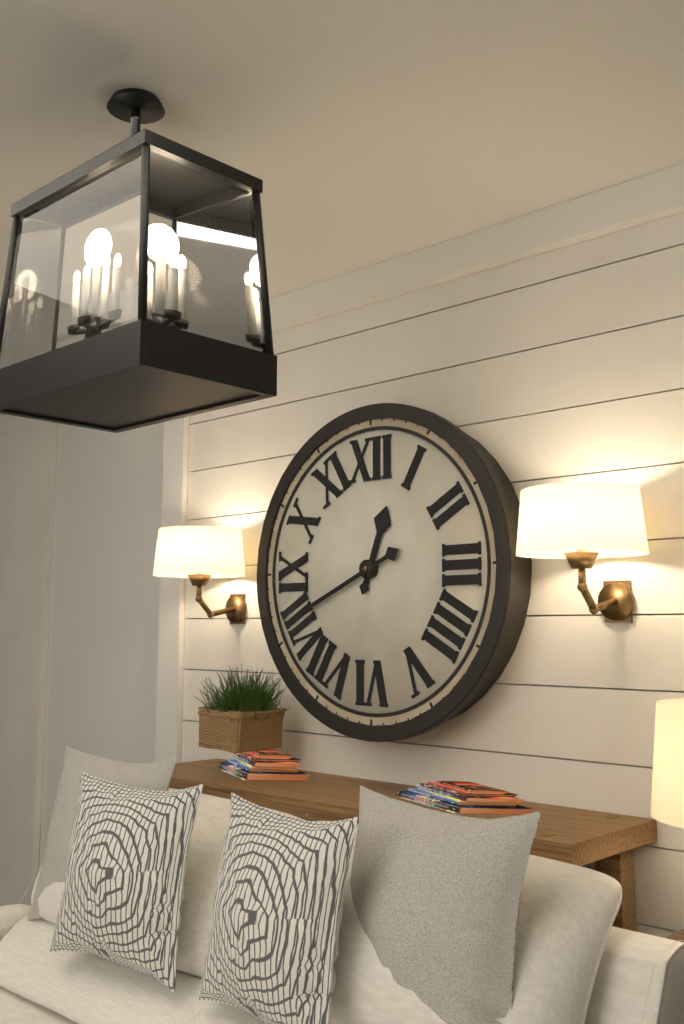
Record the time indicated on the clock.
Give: 12:41
